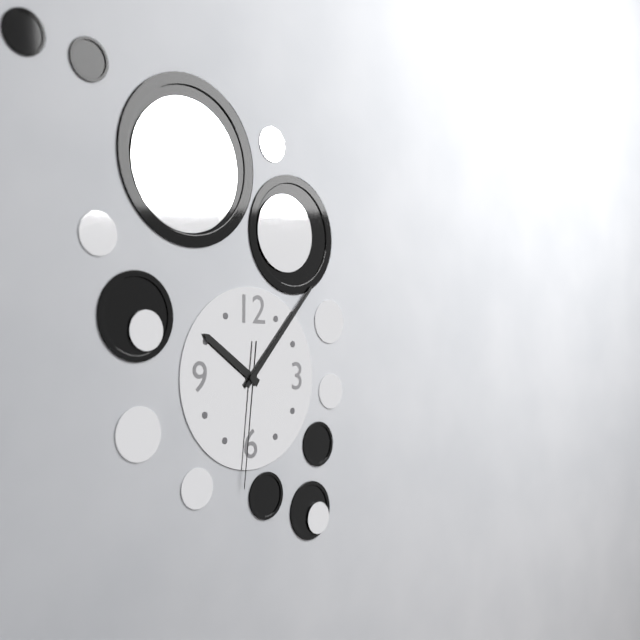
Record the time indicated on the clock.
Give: 10:07:31
